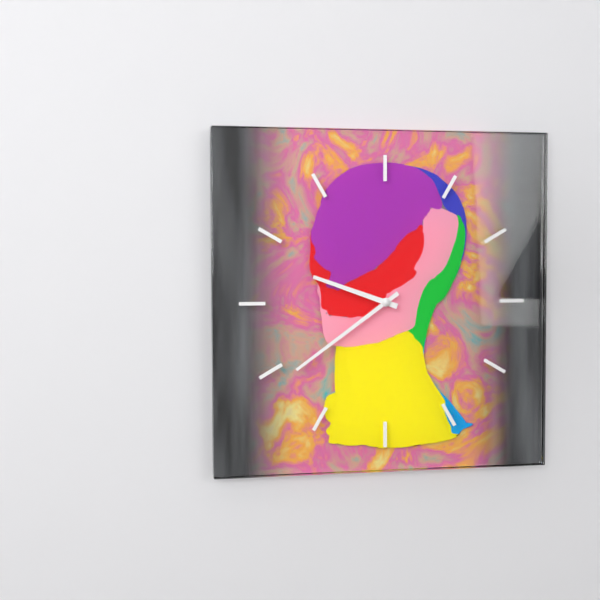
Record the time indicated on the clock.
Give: 9:39
